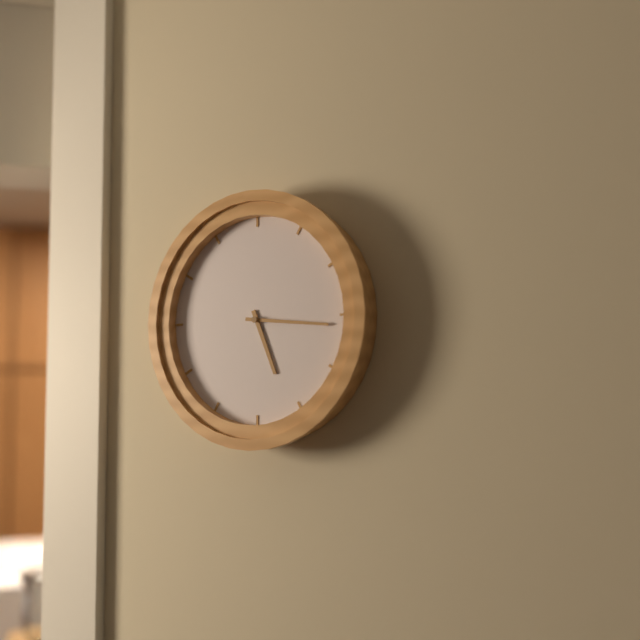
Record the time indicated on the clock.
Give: 5:16
